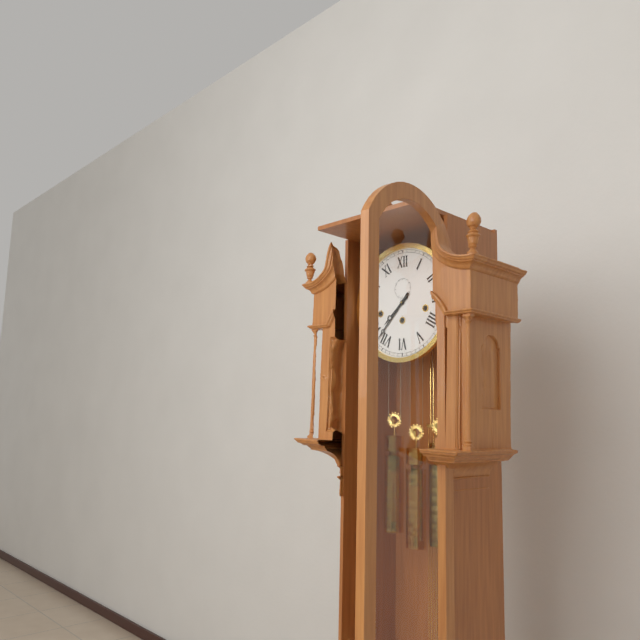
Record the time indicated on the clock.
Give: 7:37
